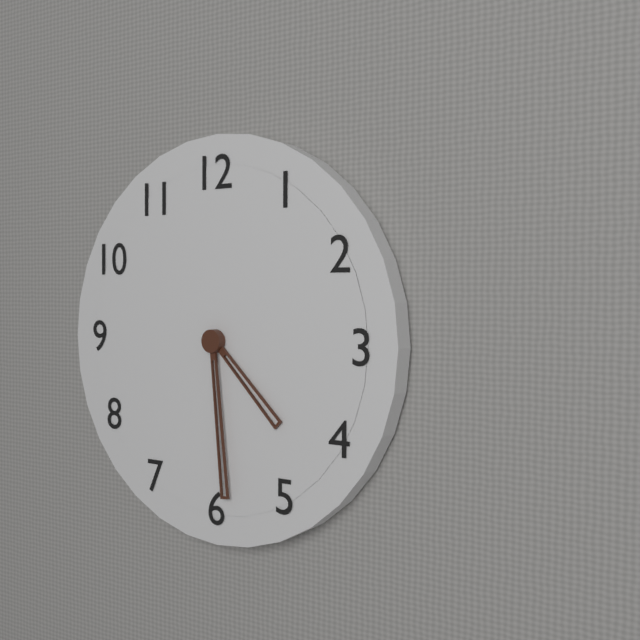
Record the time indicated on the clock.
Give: 4:29
